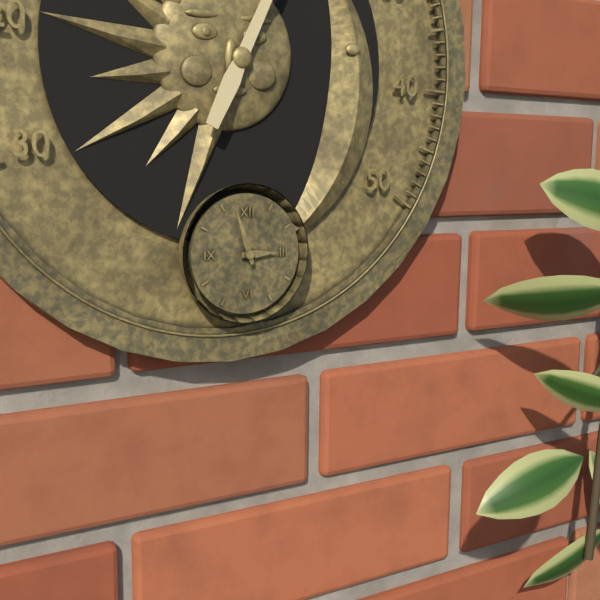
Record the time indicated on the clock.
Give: 2:57
